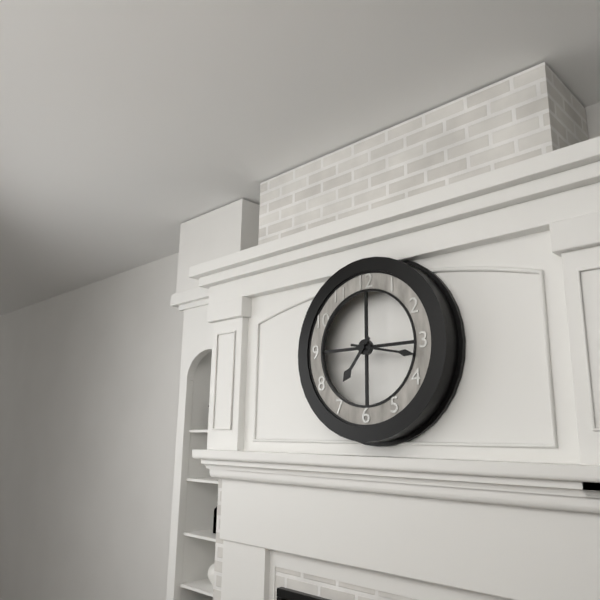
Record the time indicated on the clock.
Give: 7:17
